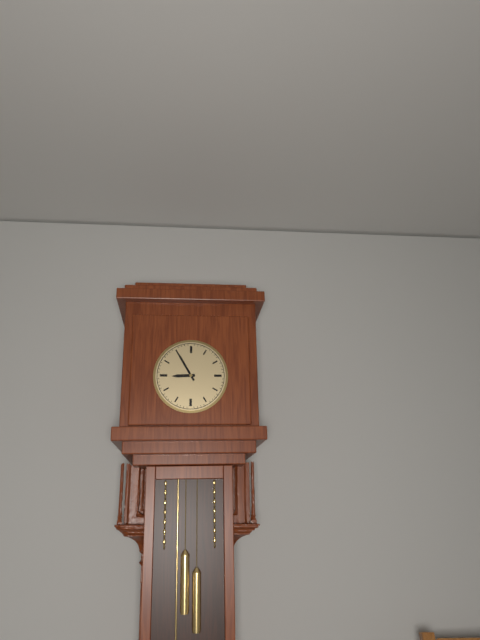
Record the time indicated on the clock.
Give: 8:55
